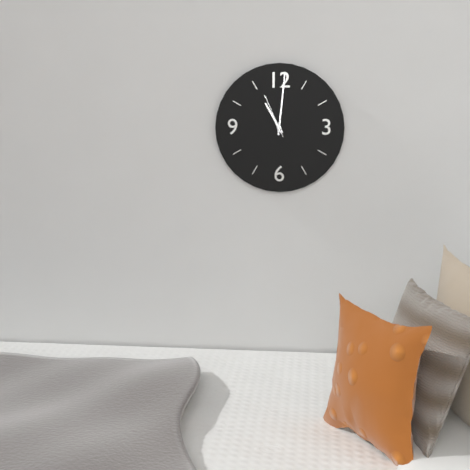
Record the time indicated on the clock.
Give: 11:01
